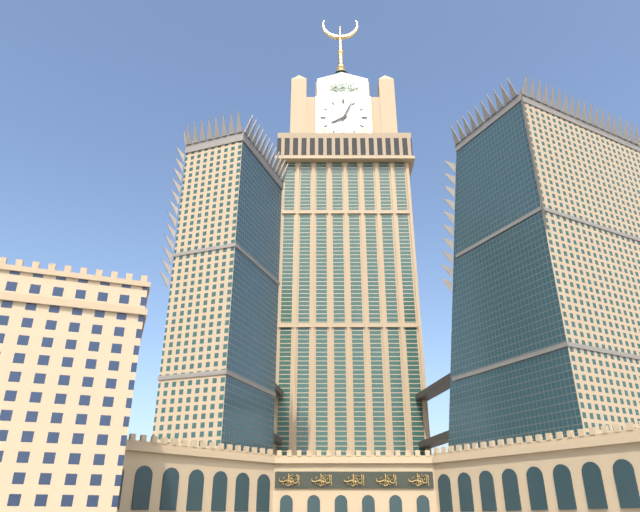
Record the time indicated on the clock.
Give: 8:04
